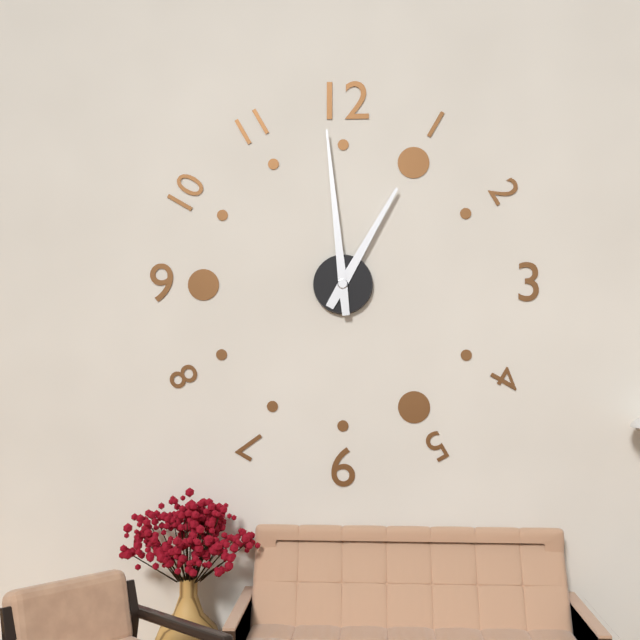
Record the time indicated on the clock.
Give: 12:59
